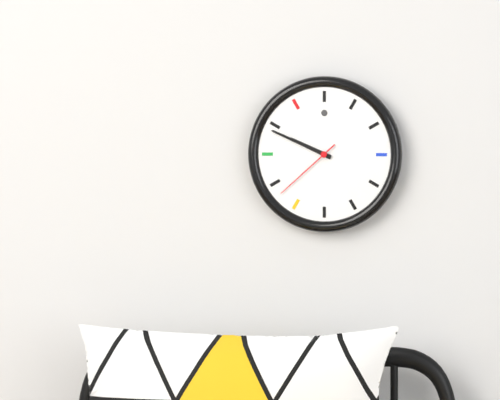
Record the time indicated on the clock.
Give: 9:49:38
